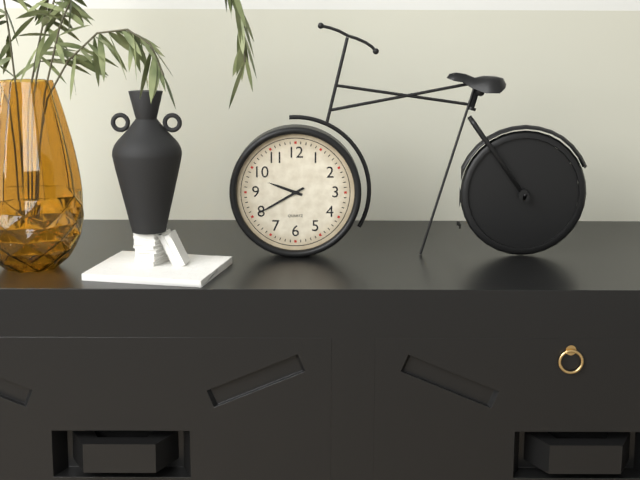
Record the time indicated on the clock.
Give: 9:40
